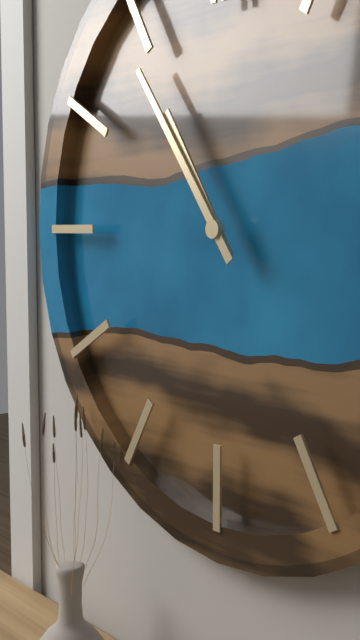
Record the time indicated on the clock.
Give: 10:54
